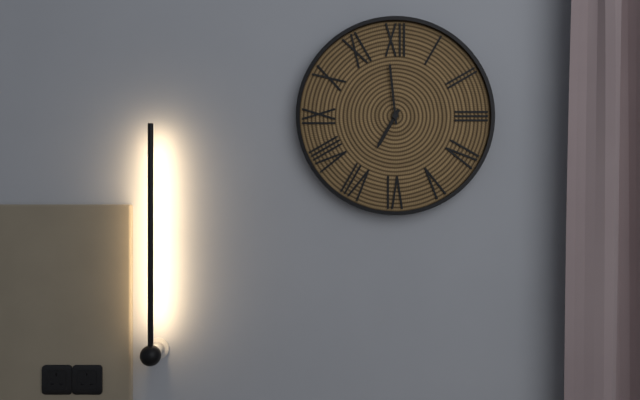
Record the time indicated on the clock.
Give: 6:59
